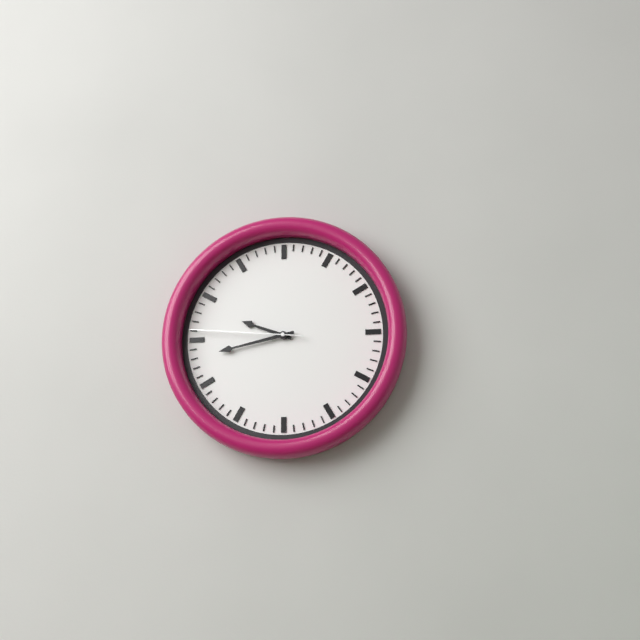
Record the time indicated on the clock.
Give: 9:43:46
